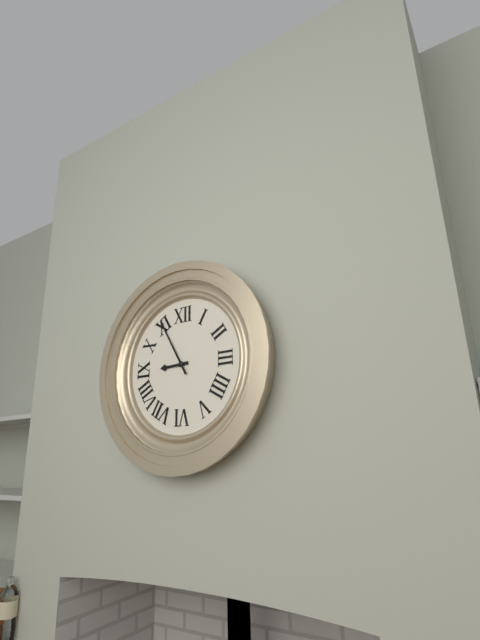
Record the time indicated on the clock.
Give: 8:55
